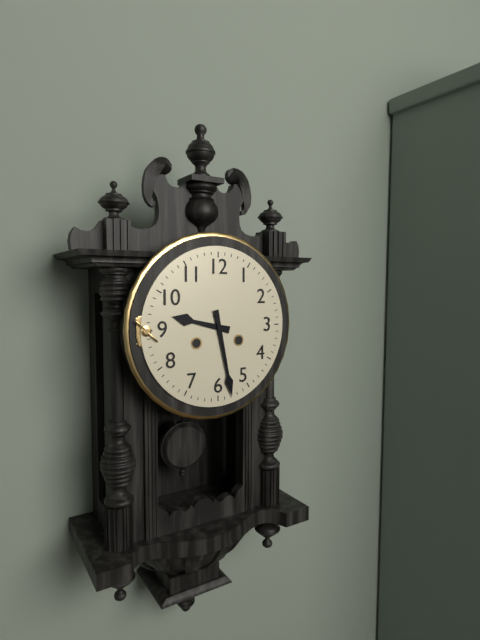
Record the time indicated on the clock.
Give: 9:28
